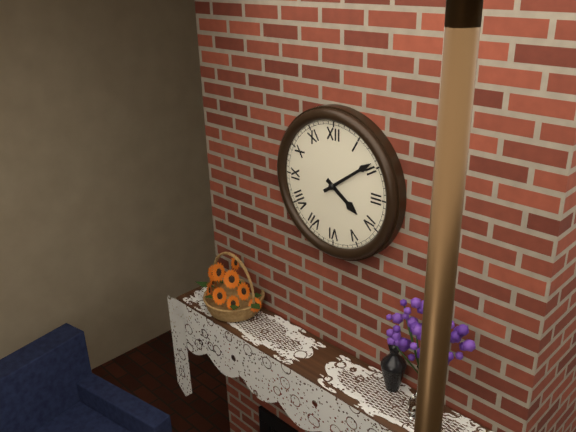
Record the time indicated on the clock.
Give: 4:09
